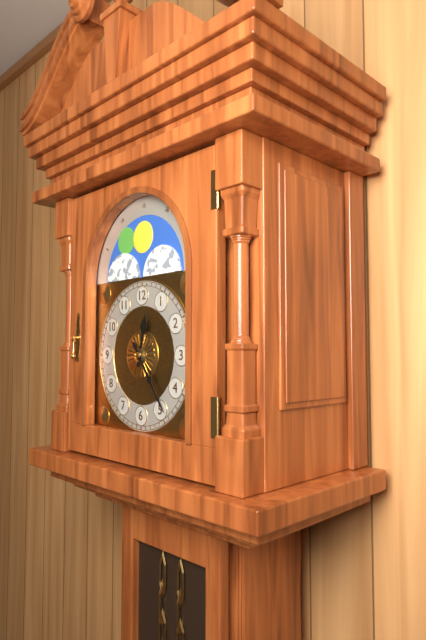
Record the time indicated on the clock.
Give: 12:24
